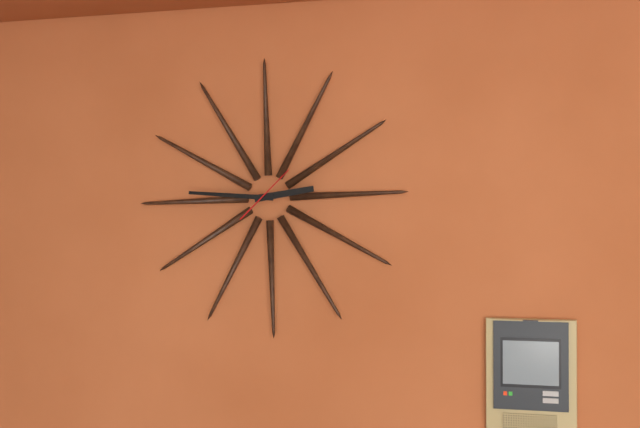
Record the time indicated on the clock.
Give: 2:46
